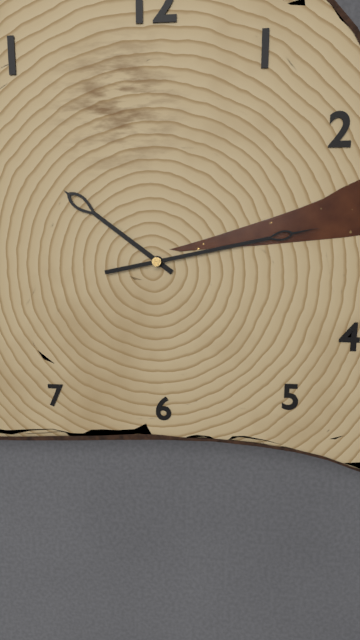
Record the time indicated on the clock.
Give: 10:13
